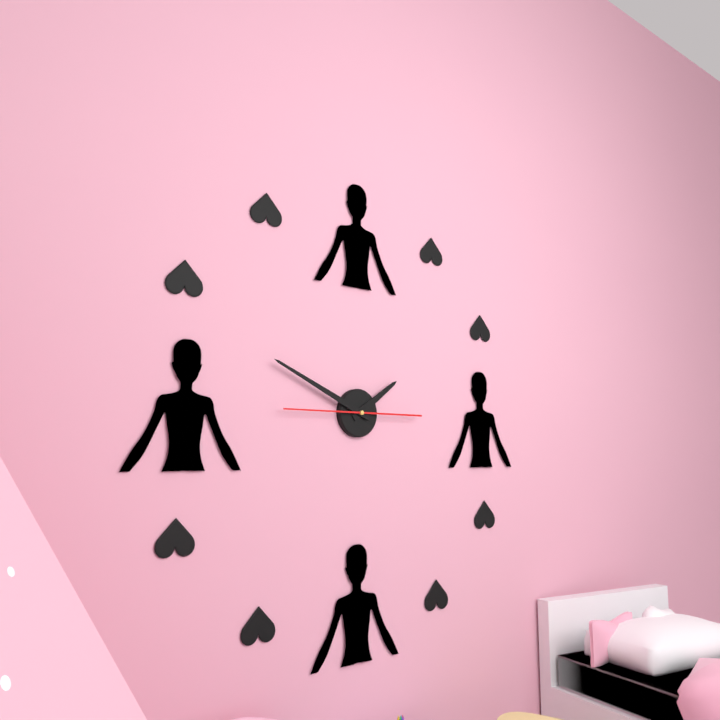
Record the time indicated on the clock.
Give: 1:49:45
